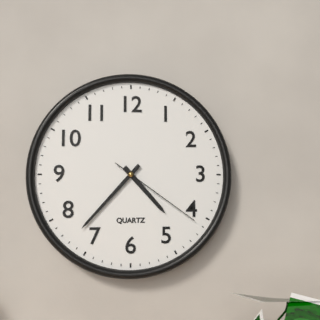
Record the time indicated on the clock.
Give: 4:37:21
